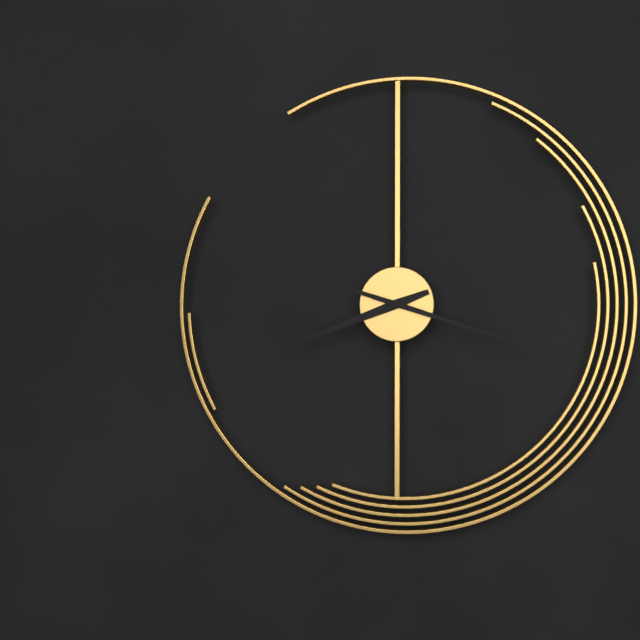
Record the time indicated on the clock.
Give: 8:18
